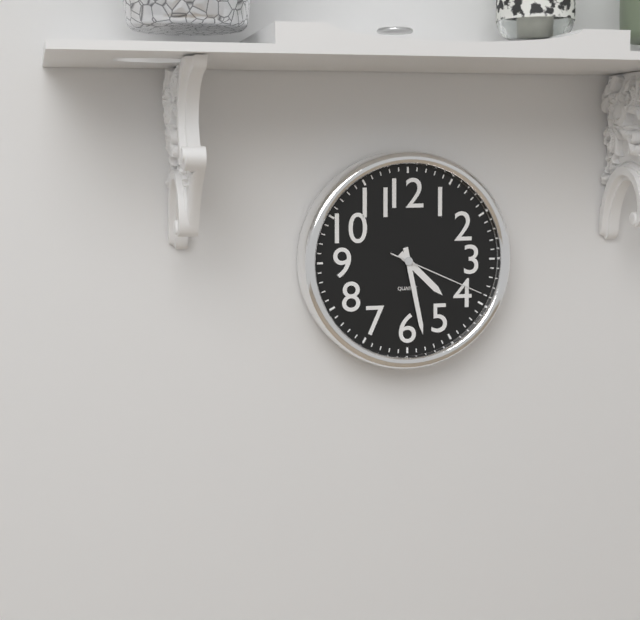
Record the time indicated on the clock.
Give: 4:28:19
